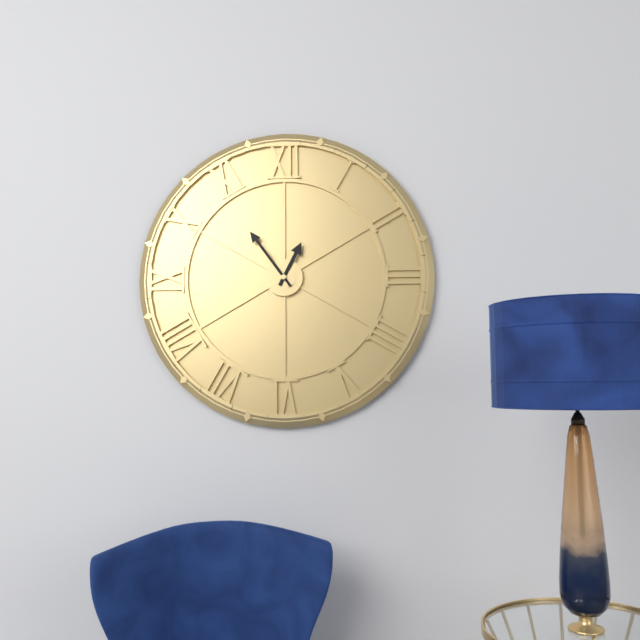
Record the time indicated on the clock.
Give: 12:54
